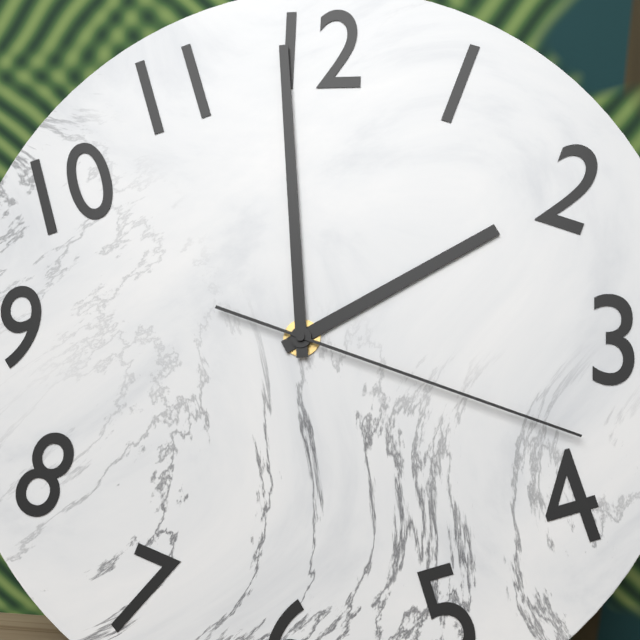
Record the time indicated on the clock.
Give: 1:59:18
